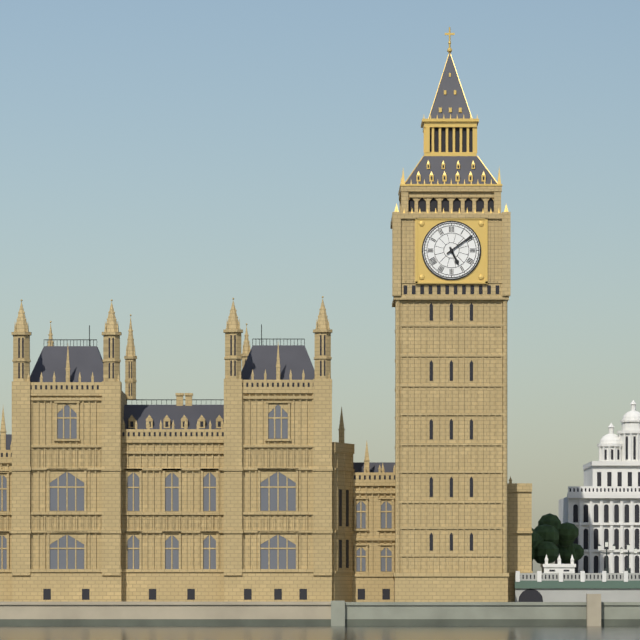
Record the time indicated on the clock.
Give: 5:09
